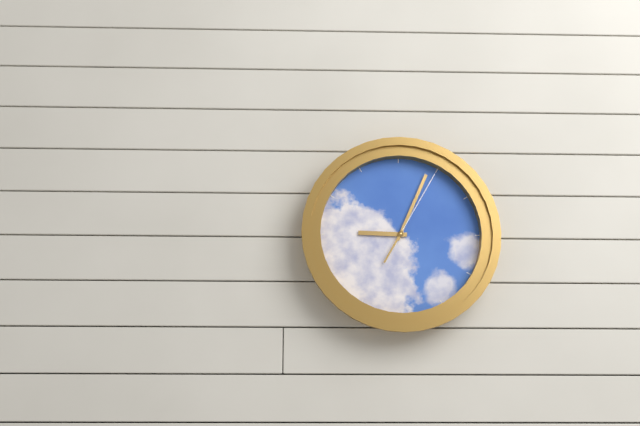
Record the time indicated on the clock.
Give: 9:04:05
